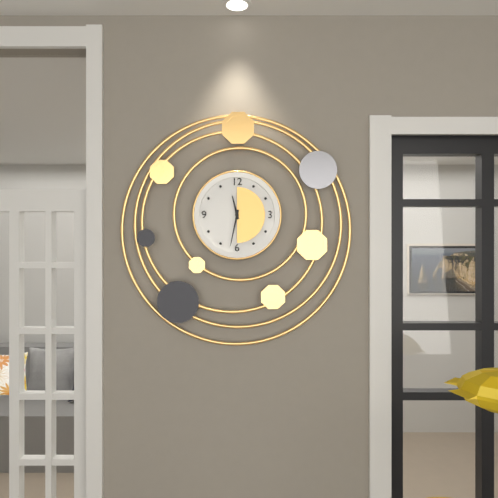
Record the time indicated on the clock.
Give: 11:32
